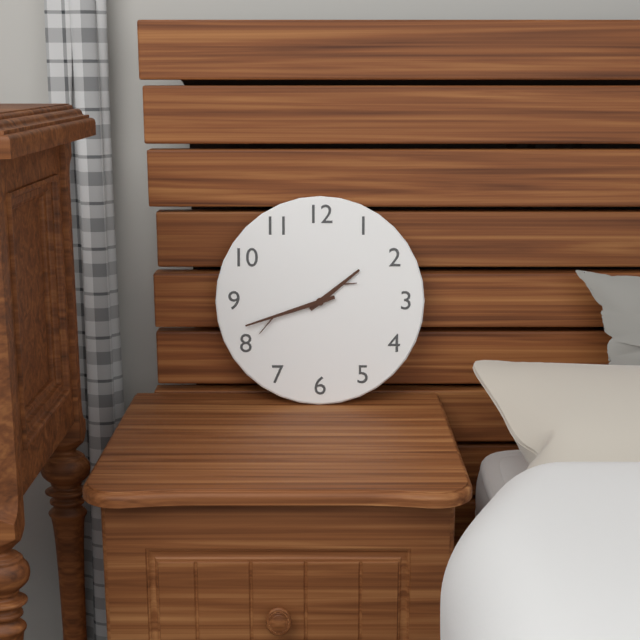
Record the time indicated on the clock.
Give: 1:42
